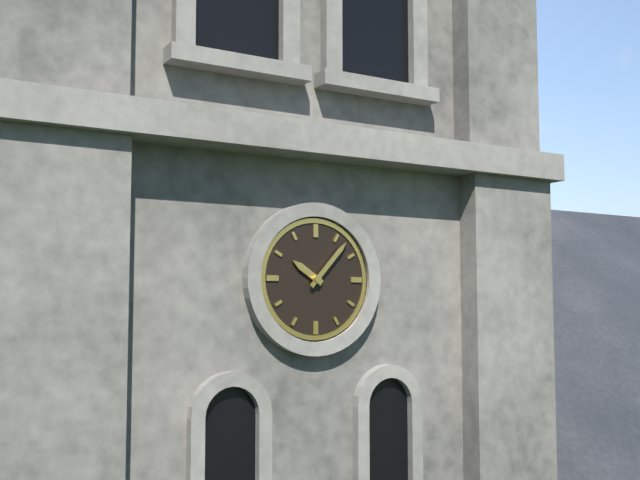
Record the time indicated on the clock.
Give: 10:07
